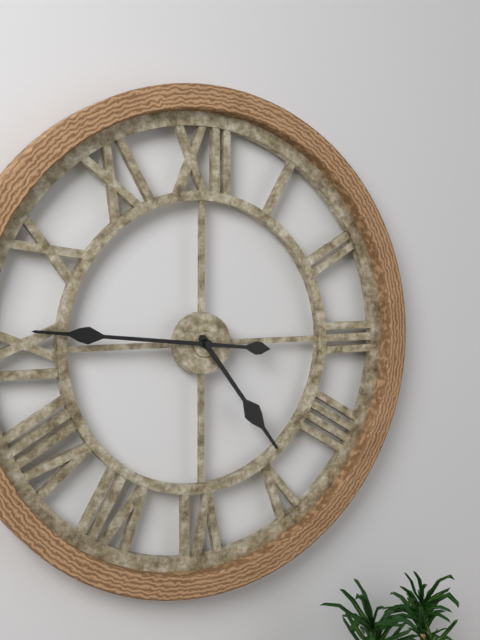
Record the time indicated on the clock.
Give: 4:46
